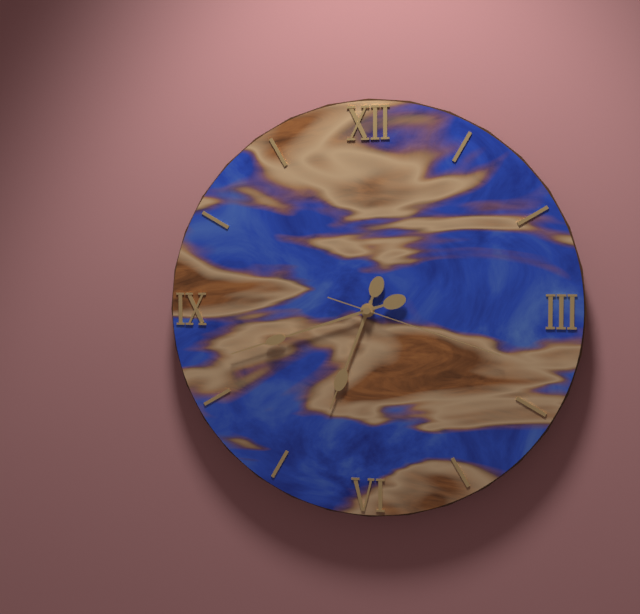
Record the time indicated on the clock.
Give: 6:42:18
